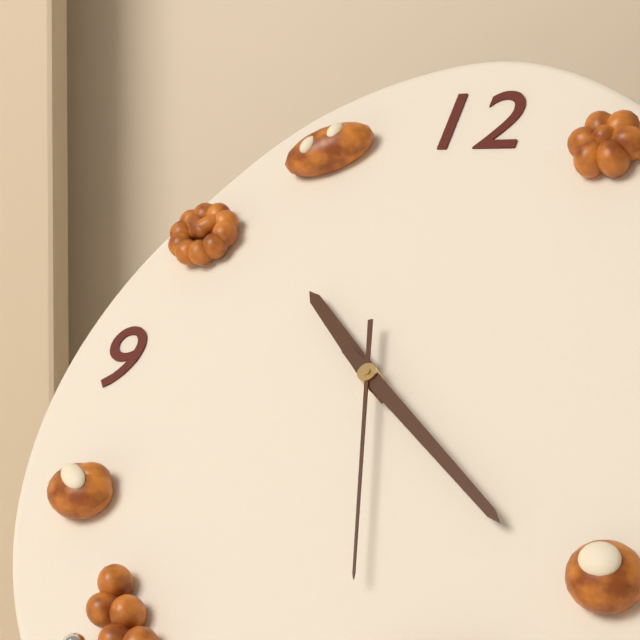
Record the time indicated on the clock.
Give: 10:21:27
